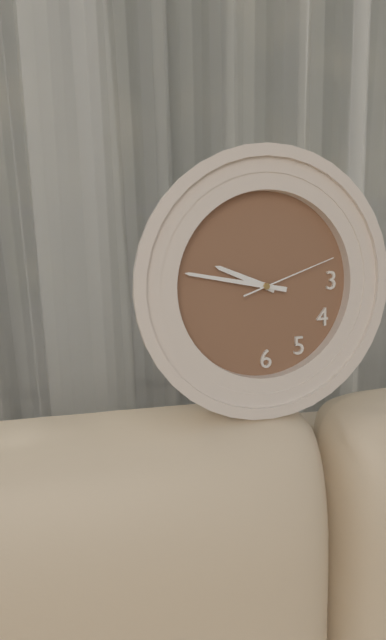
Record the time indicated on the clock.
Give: 9:47:12
